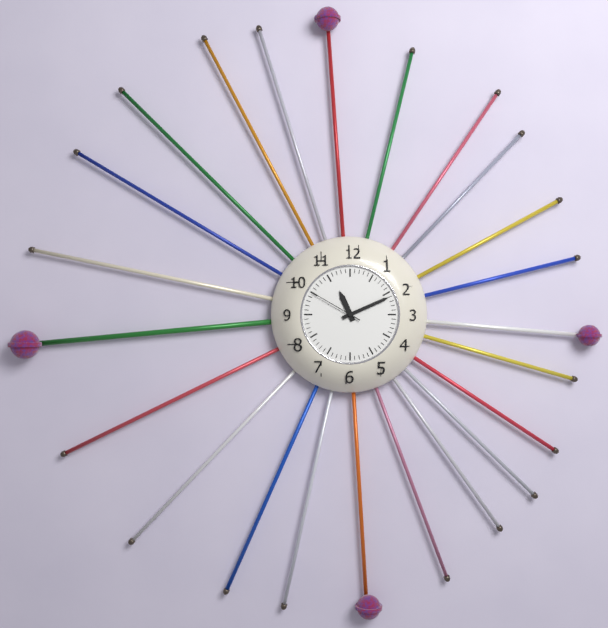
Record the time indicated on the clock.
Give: 11:11:50
